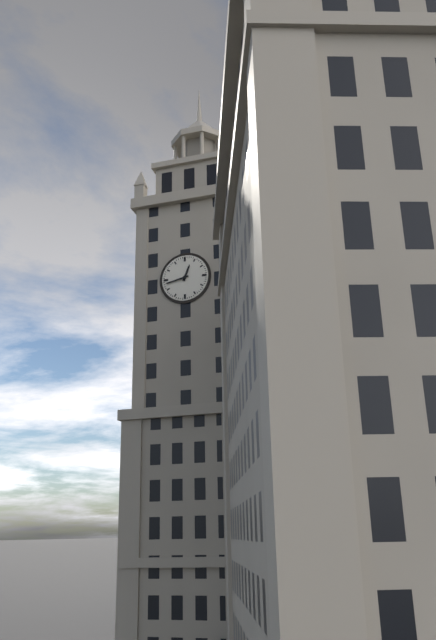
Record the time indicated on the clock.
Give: 12:43
